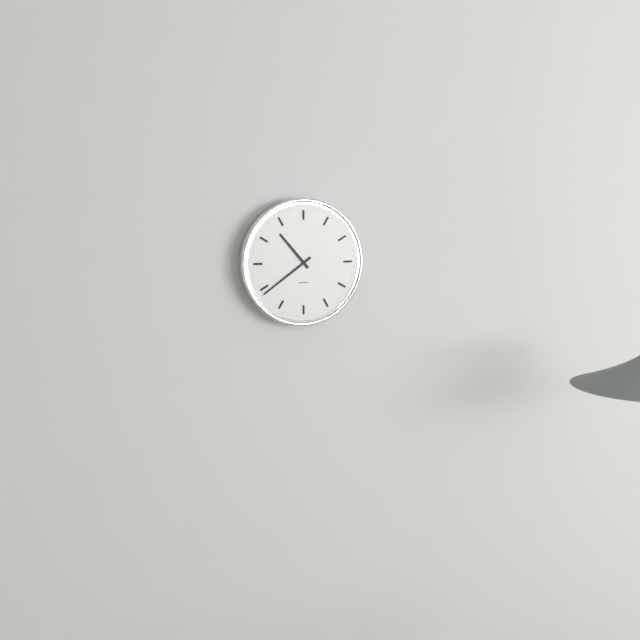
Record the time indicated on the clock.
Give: 10:39
